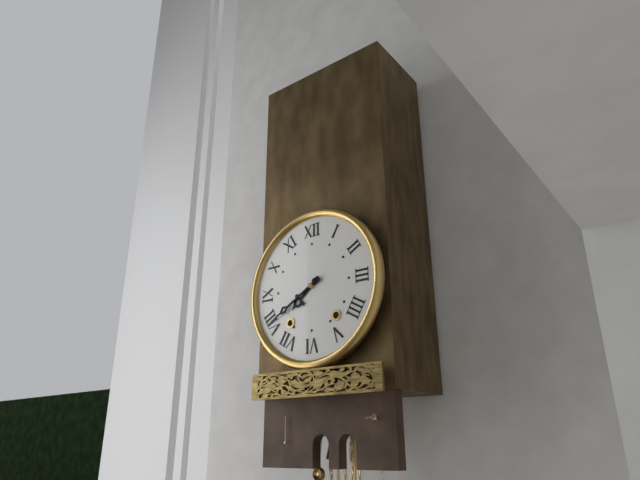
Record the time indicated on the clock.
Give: 7:40
